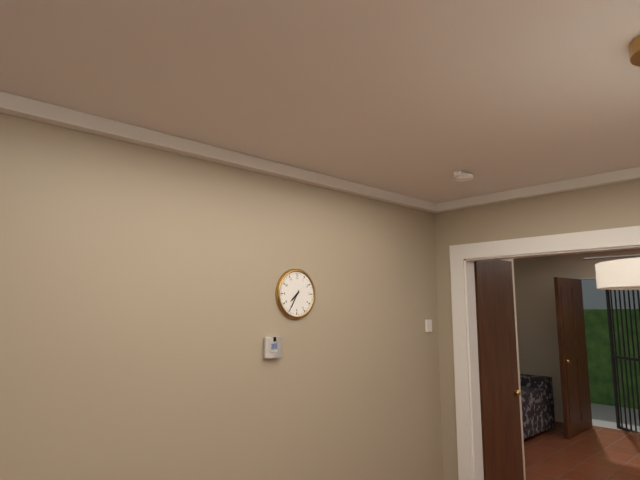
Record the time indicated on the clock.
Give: 7:35
